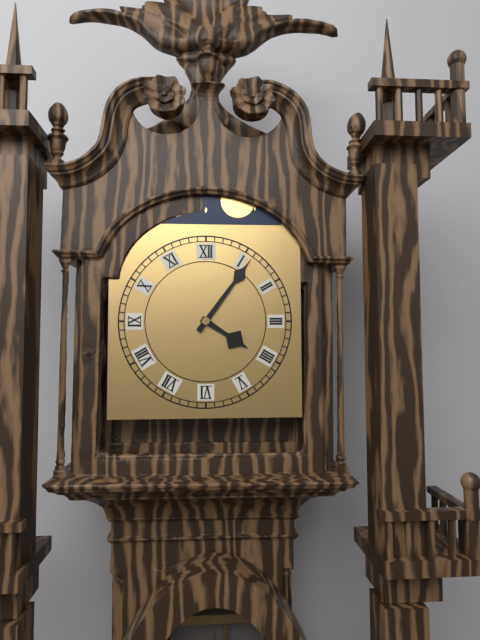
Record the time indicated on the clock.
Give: 4:06
